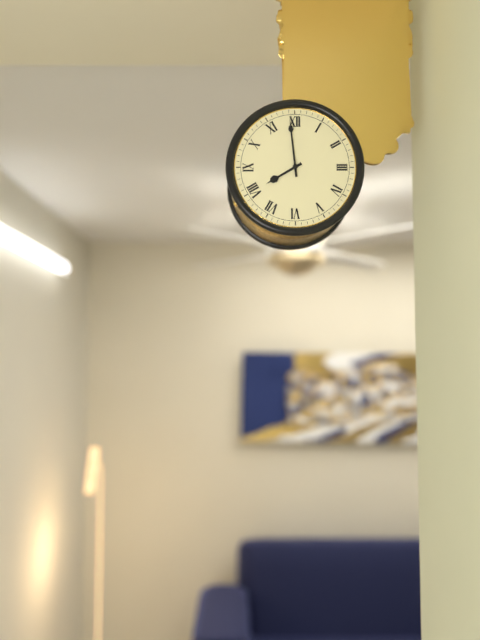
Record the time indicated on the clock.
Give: 7:59
